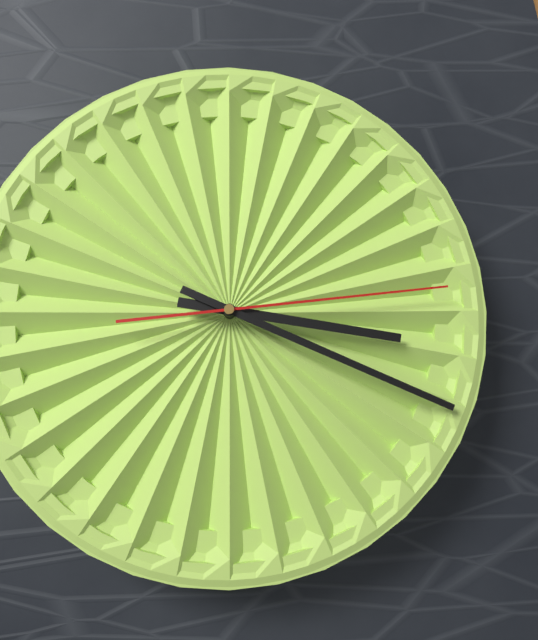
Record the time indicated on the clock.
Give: 3:19:14
